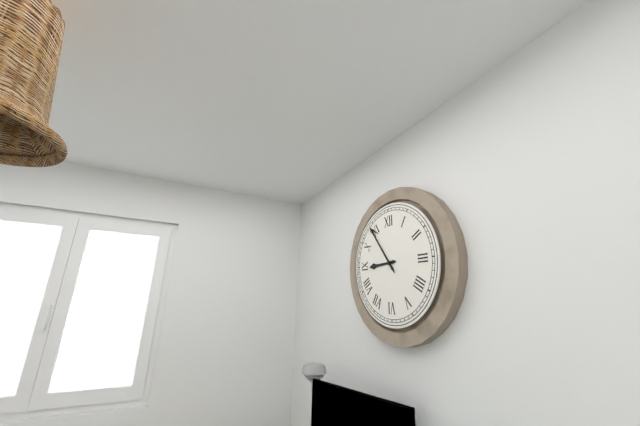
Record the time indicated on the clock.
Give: 8:54
